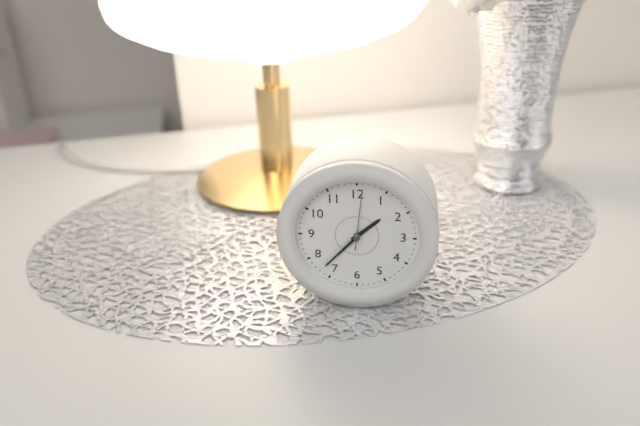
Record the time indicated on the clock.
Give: 1:37:01
